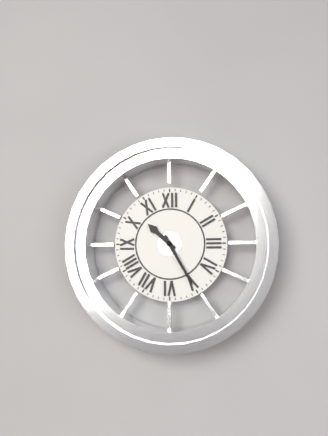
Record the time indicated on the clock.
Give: 10:25
